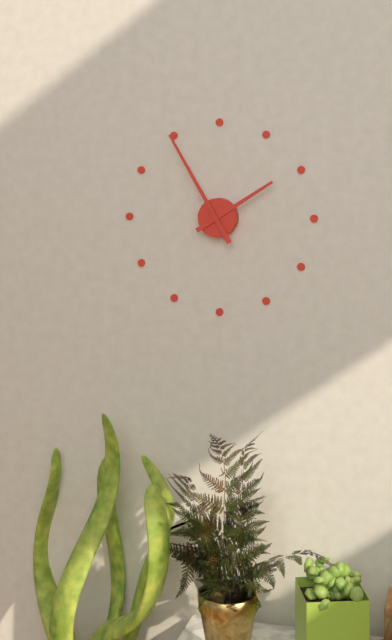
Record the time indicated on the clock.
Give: 1:55
